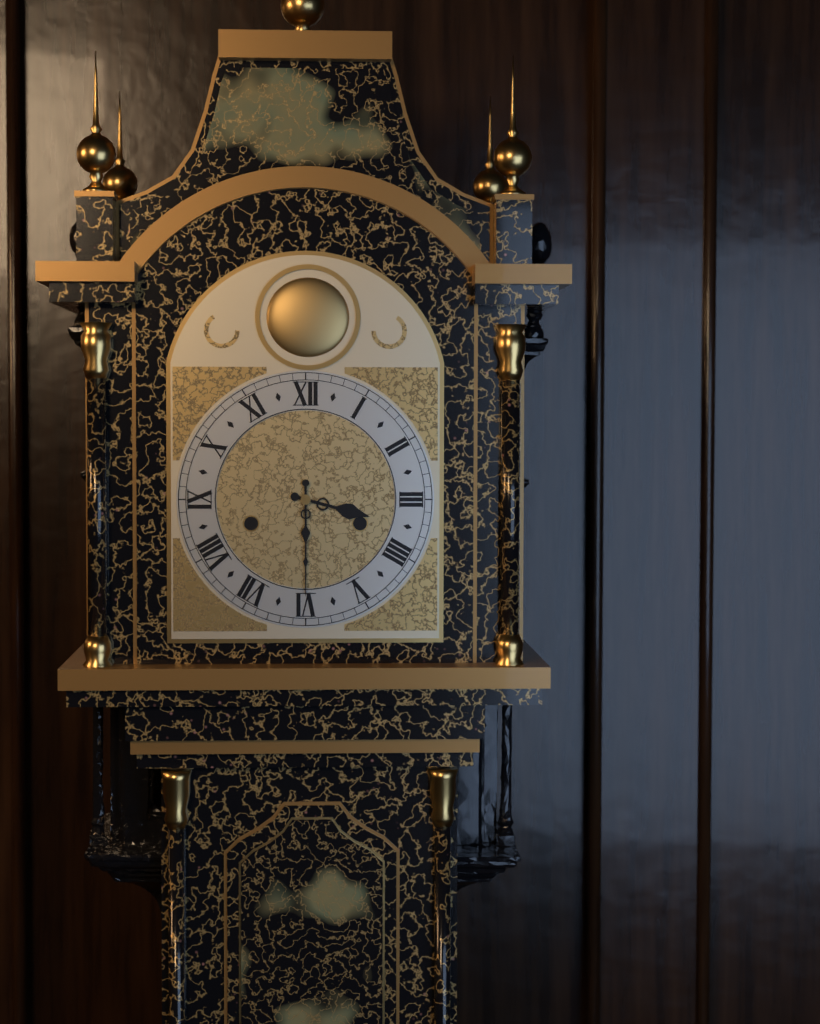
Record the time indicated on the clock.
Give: 3:30
